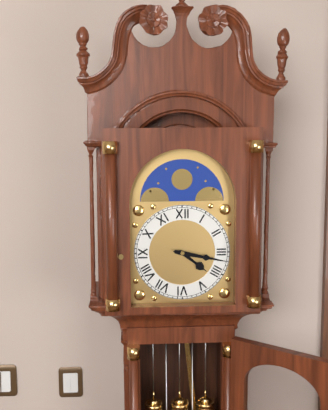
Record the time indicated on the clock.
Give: 4:17
